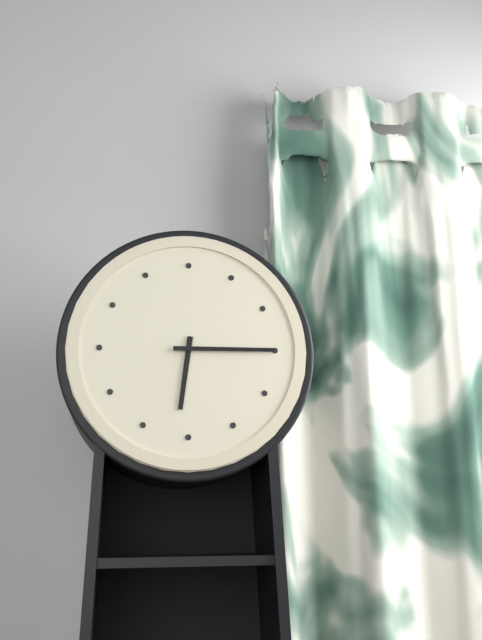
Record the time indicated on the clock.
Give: 6:15
